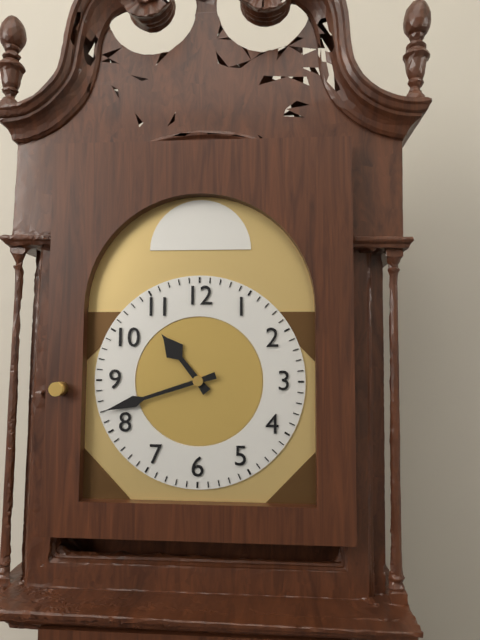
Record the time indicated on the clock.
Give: 10:42
